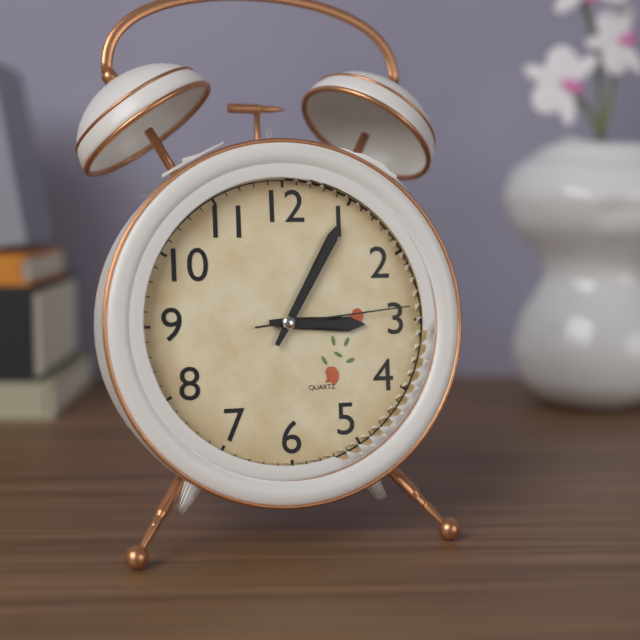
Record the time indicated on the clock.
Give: 3:05:14
